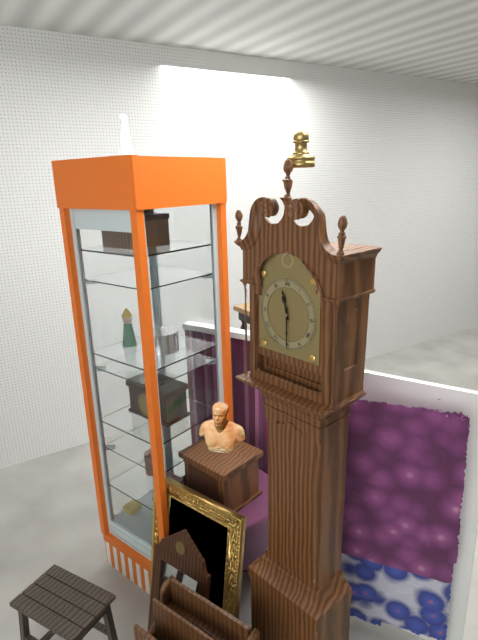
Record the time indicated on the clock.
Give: 11:30
